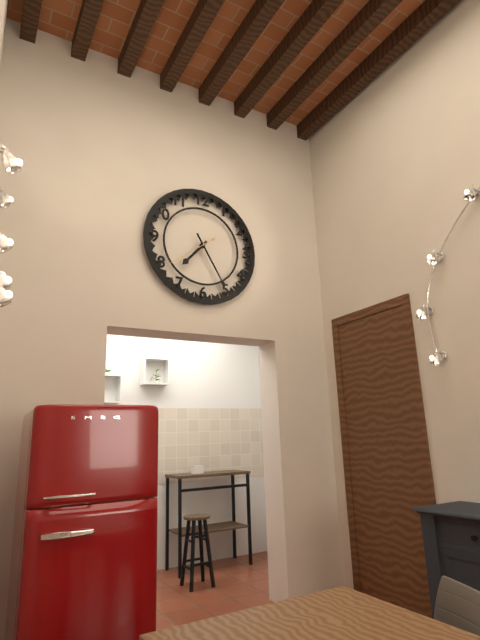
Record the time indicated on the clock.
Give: 7:25
